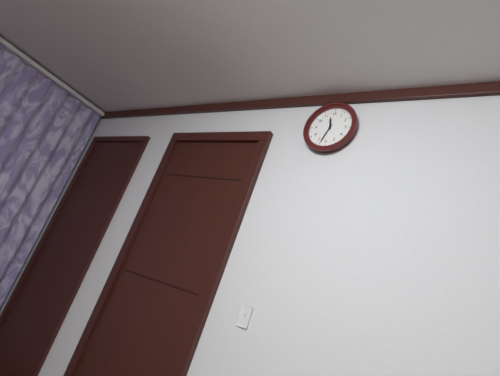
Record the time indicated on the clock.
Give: 11:33
